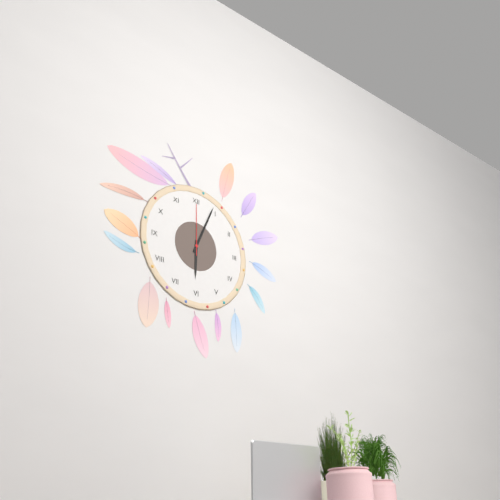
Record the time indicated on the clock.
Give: 6:04:00
